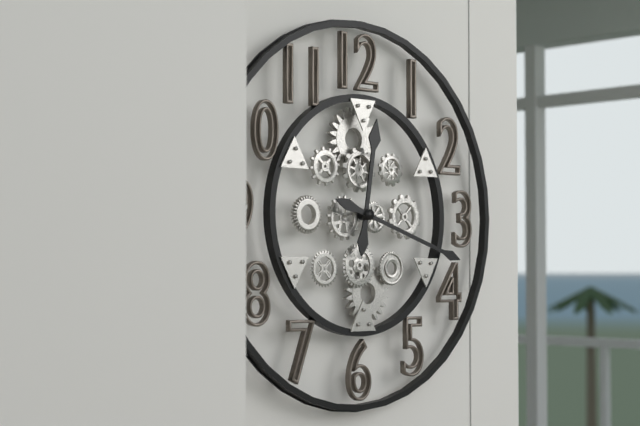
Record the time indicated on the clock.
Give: 12:18
